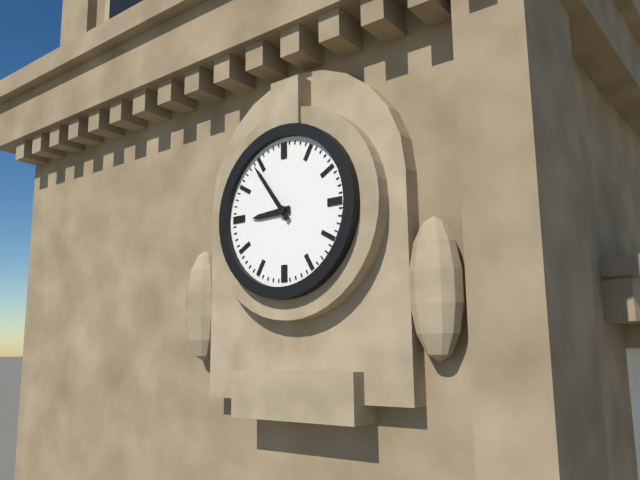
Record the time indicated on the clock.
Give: 8:54
